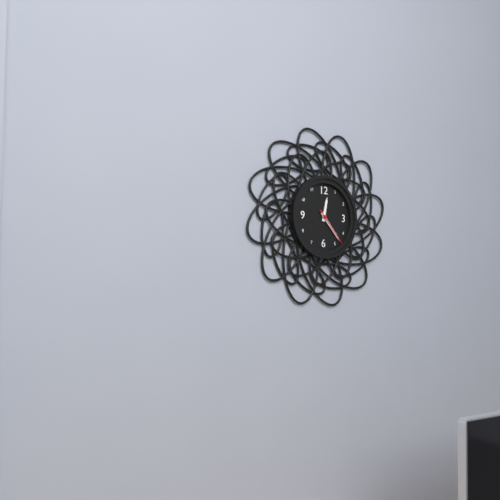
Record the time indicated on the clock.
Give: 12:23
